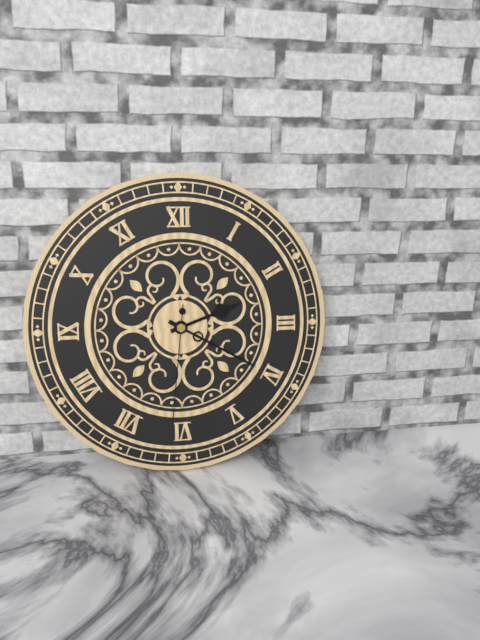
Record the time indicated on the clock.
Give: 2:20:31
